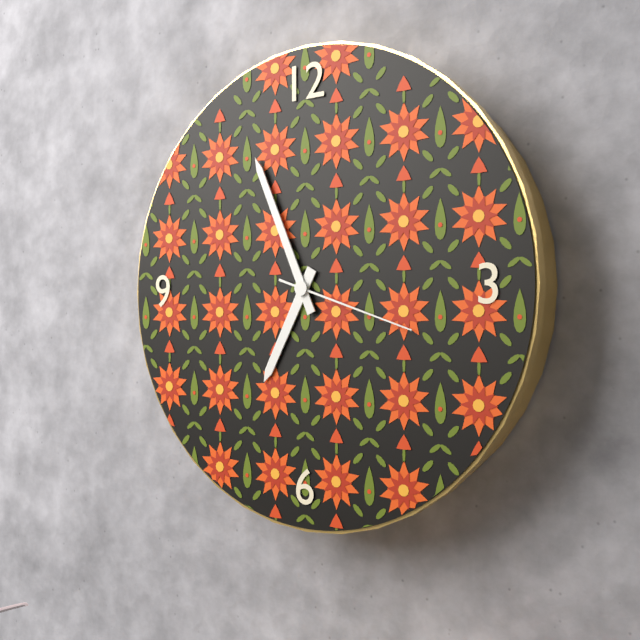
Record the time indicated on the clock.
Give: 6:56:18
